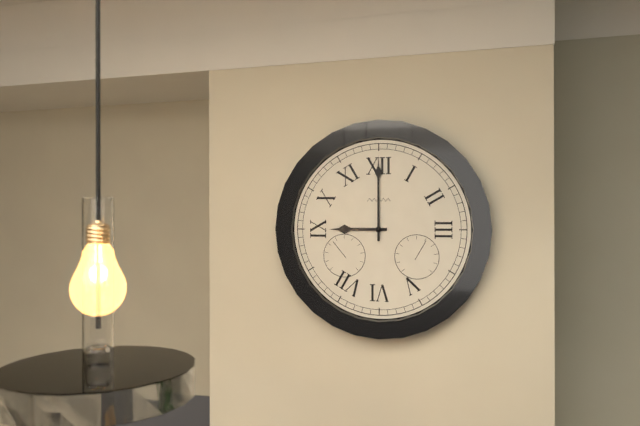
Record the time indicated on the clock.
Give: 9:00
